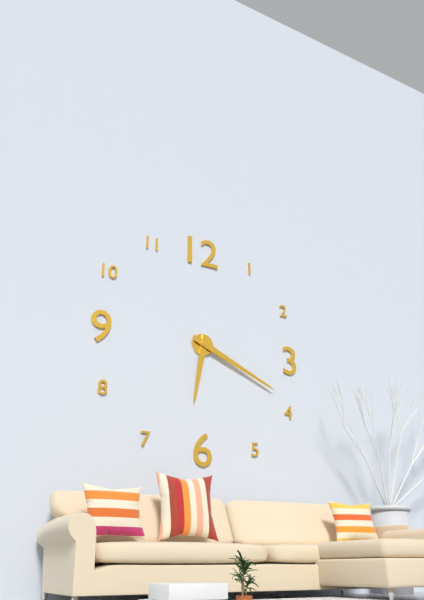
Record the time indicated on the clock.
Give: 6:19
